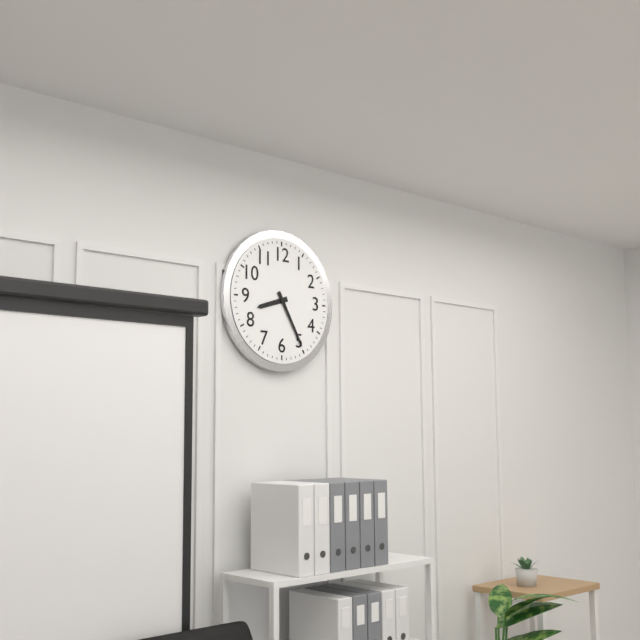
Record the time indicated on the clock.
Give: 8:25
